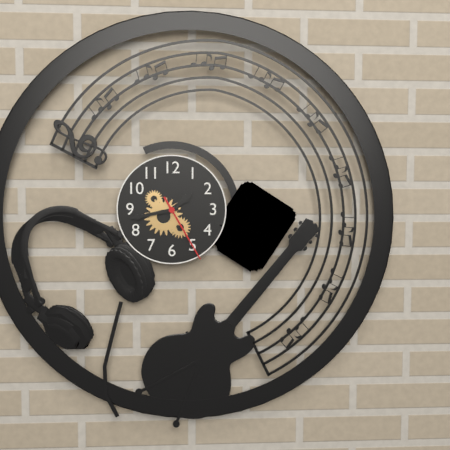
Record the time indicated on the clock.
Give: 1:43:25
